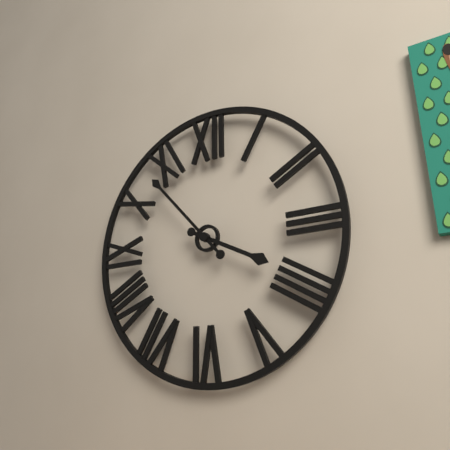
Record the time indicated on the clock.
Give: 3:53
